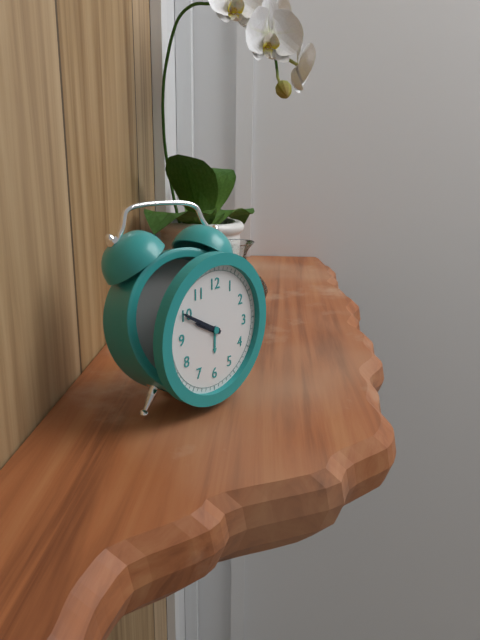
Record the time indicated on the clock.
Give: 9:50
